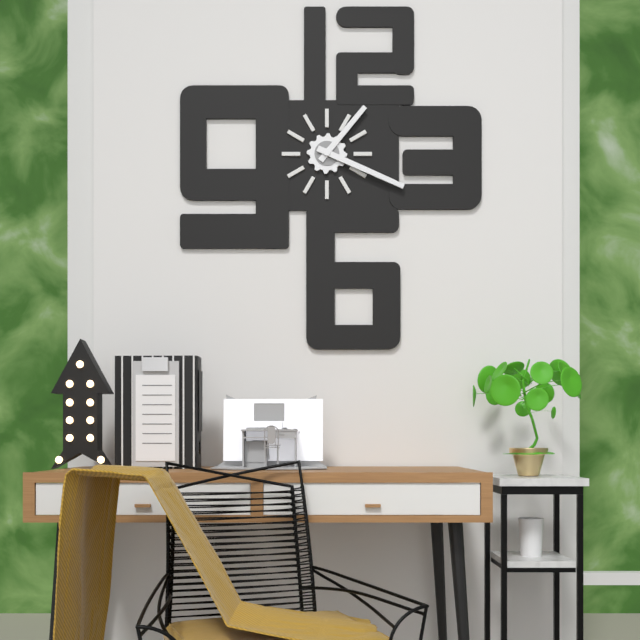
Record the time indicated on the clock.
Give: 1:19
